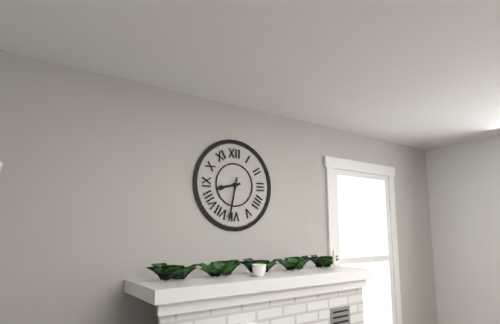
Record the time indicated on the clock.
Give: 8:32
